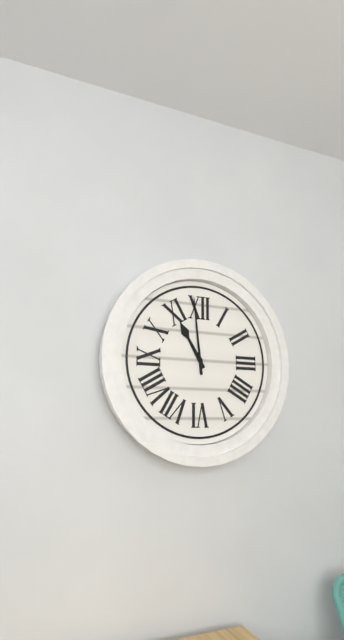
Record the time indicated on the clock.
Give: 10:59
